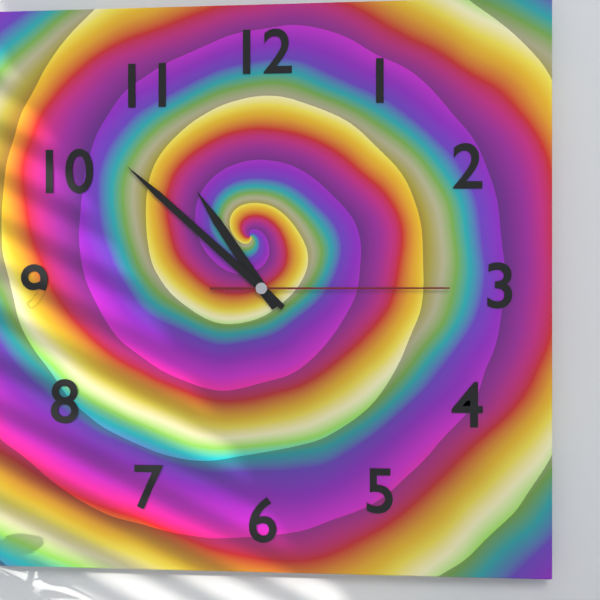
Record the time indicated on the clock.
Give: 10:52:15
